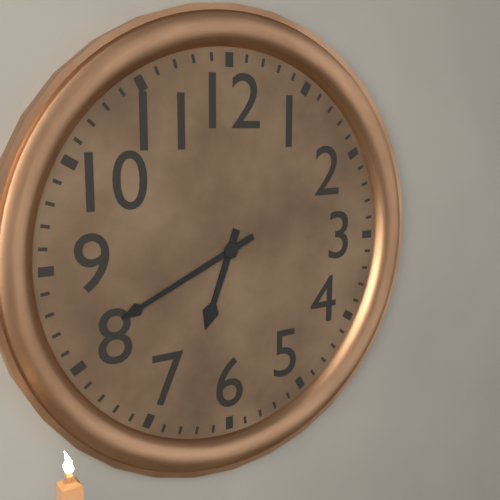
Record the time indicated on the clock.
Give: 6:41
